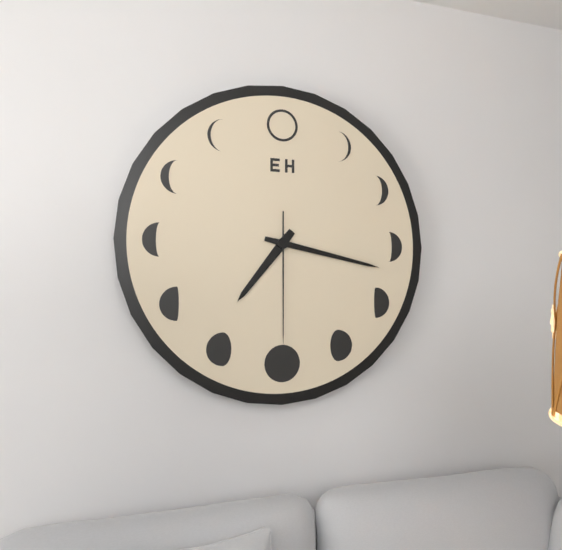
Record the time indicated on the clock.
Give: 7:17:30
